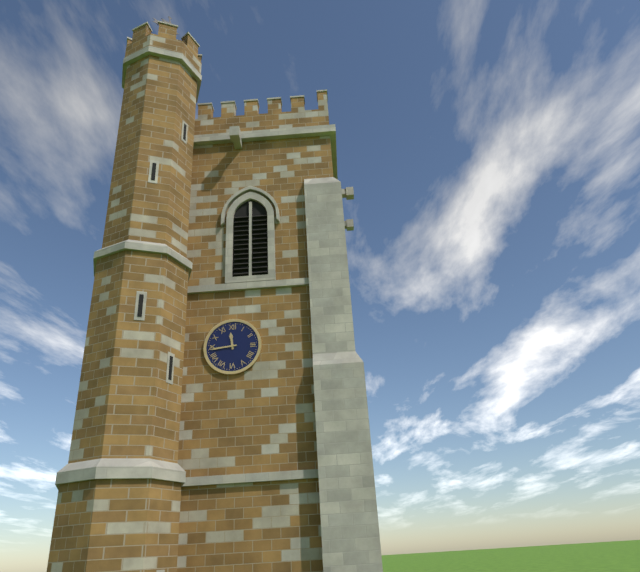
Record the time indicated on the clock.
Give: 11:44
